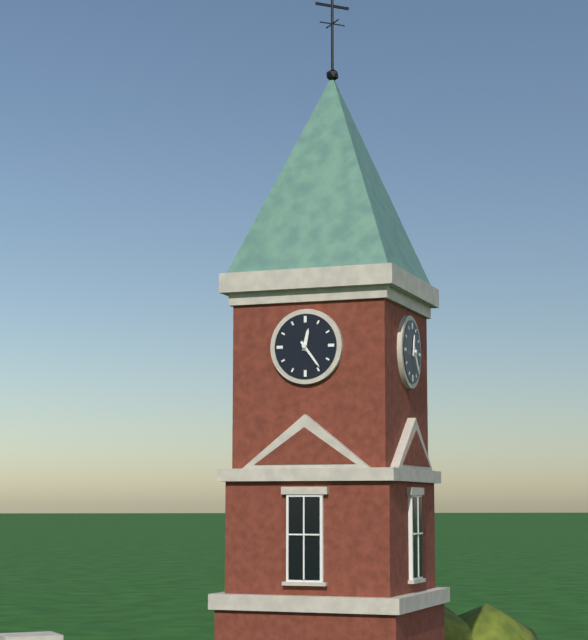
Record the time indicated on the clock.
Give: 12:24
